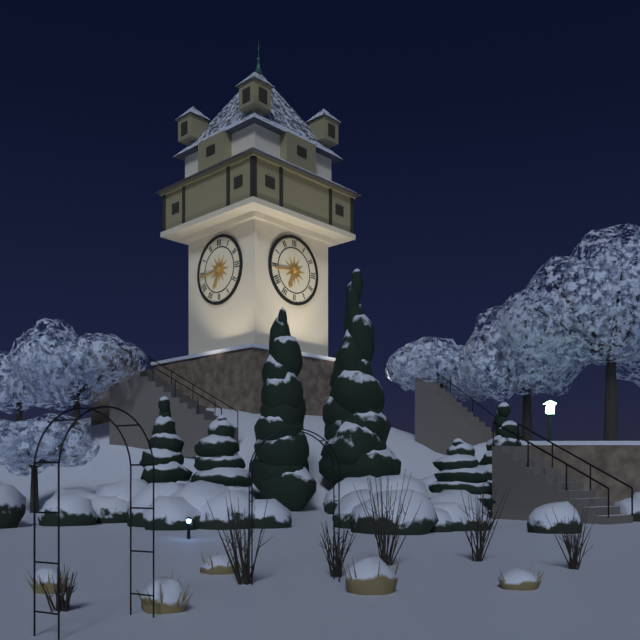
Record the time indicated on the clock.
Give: 6:44
